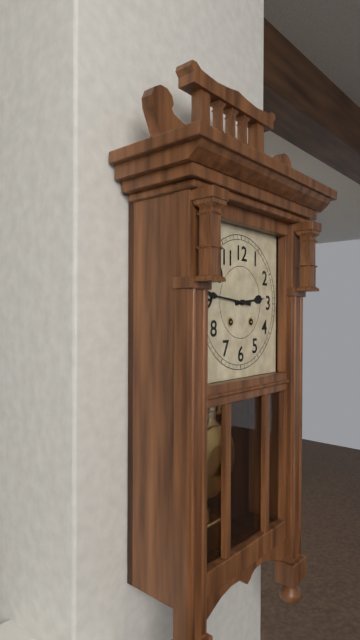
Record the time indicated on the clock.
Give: 2:46
